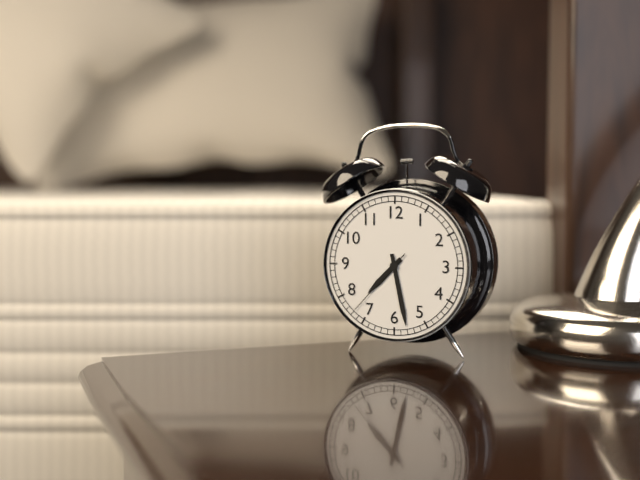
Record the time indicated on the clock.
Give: 7:28:37
